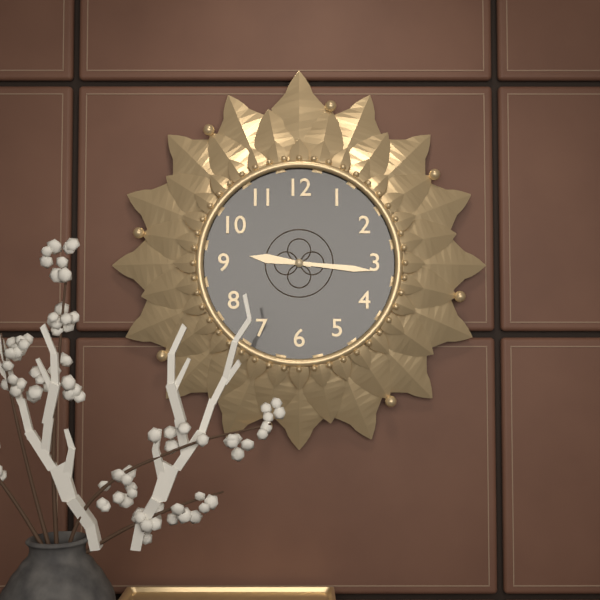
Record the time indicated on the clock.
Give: 9:16
